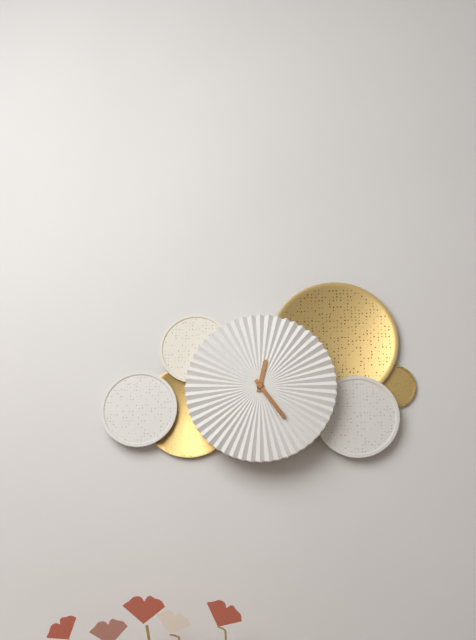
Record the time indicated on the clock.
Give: 12:24
